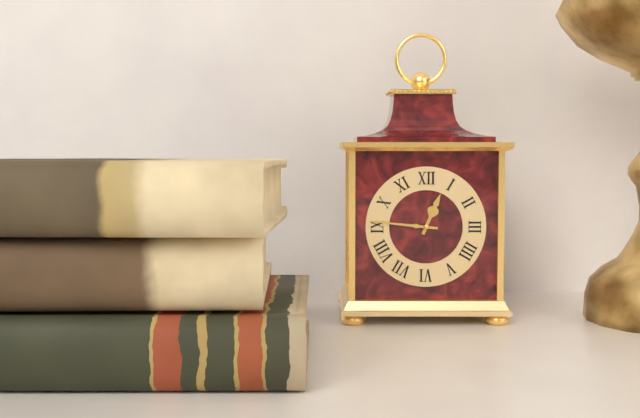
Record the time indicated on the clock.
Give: 12:46
